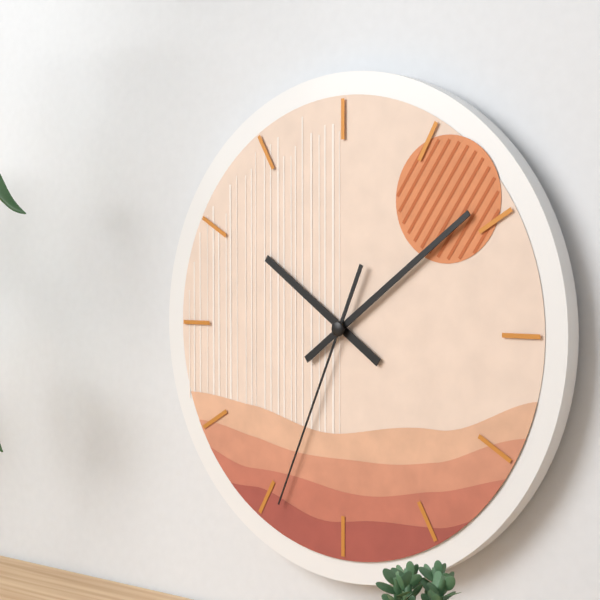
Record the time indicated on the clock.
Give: 10:09:34
